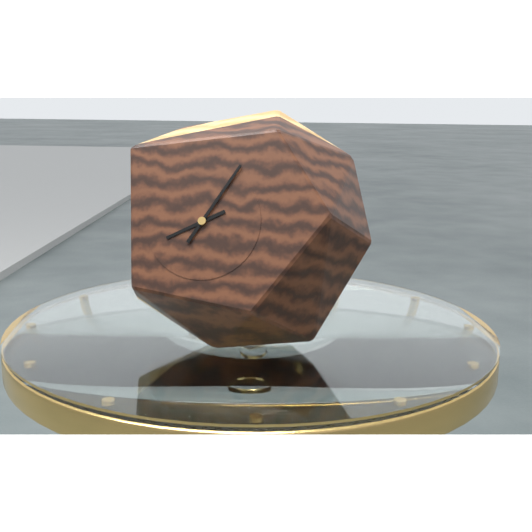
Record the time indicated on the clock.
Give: 8:05
